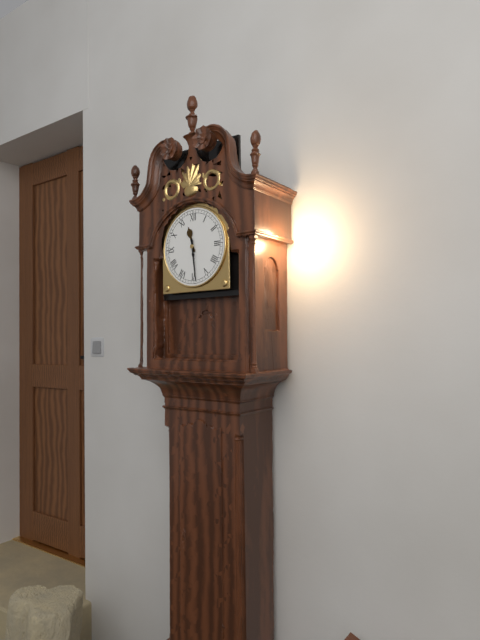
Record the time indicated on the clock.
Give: 11:29
